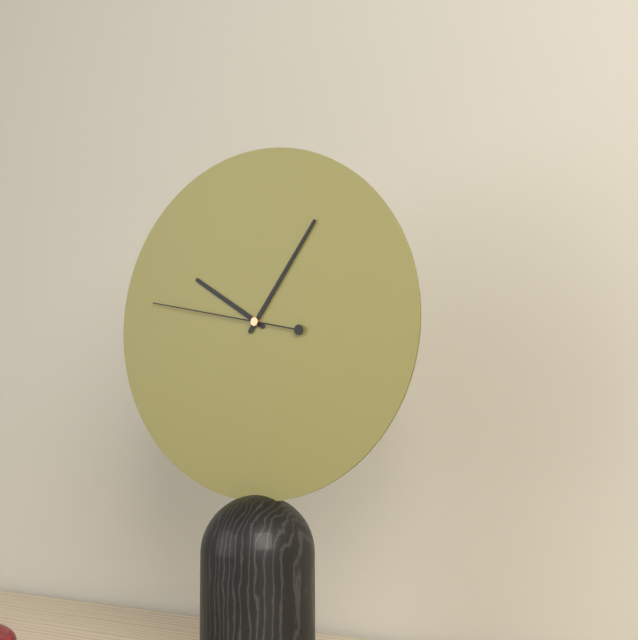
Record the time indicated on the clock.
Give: 10:06:47
